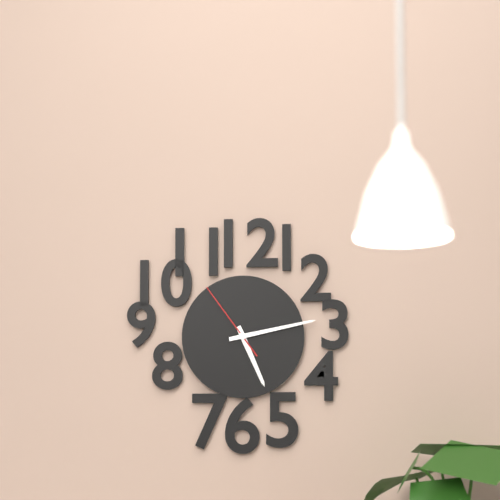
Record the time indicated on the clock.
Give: 5:13:54
